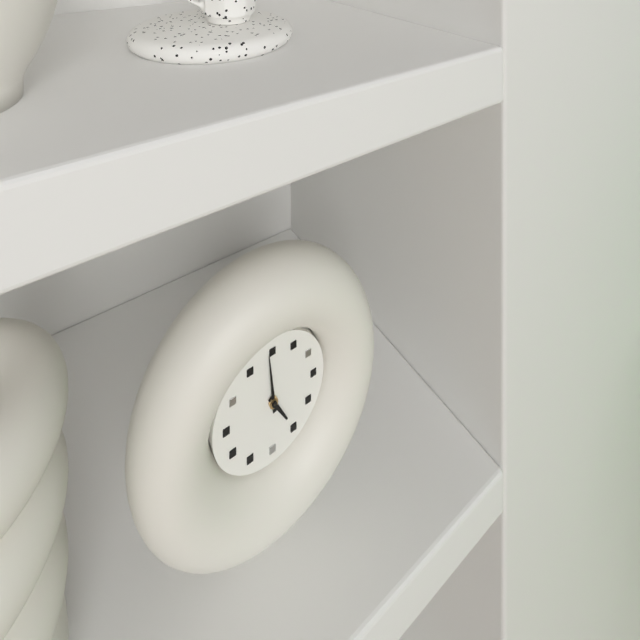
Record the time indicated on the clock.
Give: 4:59
